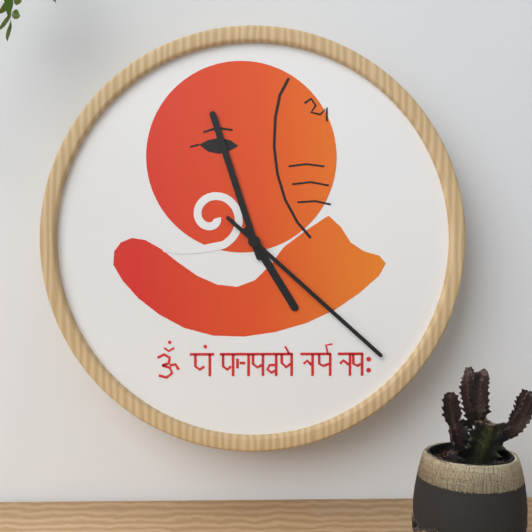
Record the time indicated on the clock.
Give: 4:57:22
